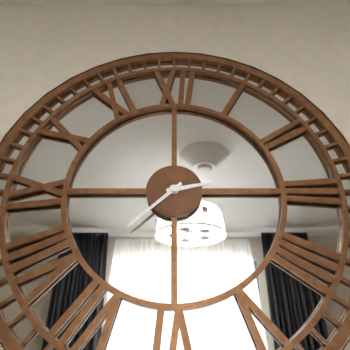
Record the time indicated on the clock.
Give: 2:38
